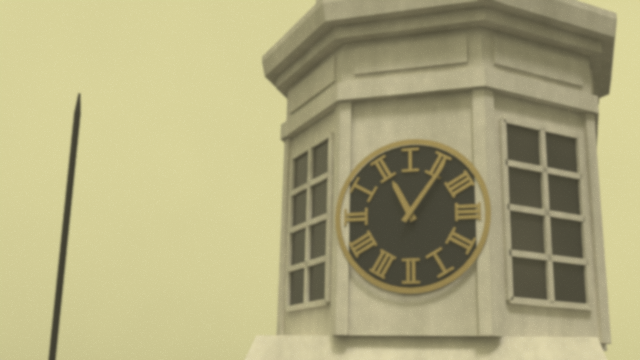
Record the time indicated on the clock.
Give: 11:06
